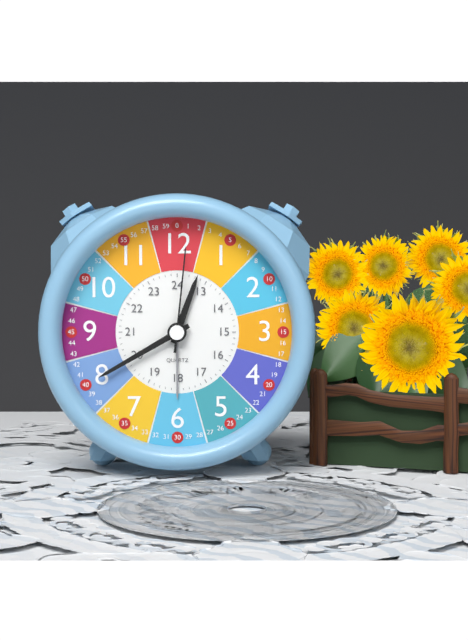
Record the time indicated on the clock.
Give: 12:40:01
